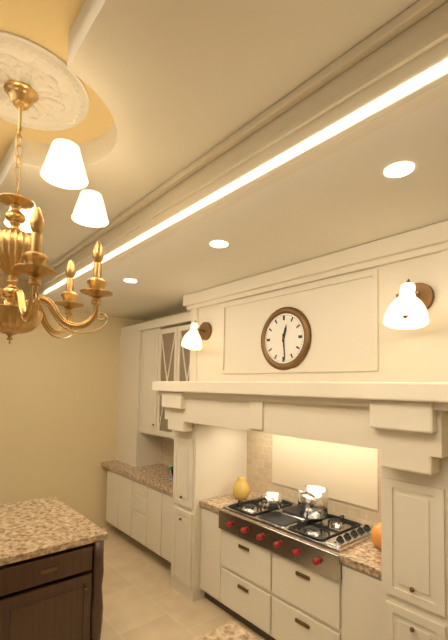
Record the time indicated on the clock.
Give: 12:29
